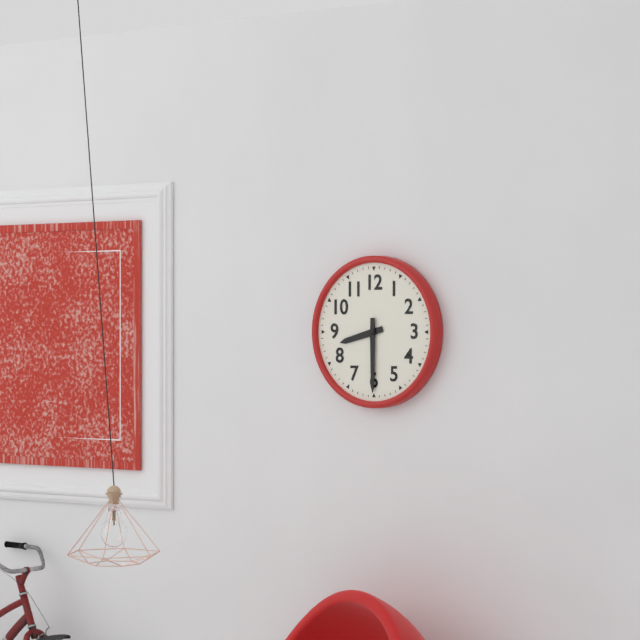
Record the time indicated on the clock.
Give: 8:30
